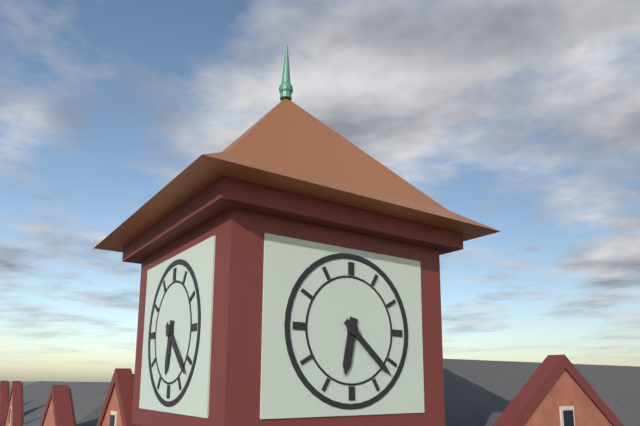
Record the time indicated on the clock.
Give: 6:22
